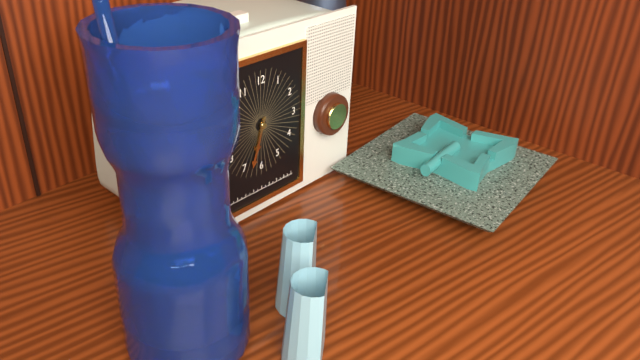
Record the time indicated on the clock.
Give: 6:33
